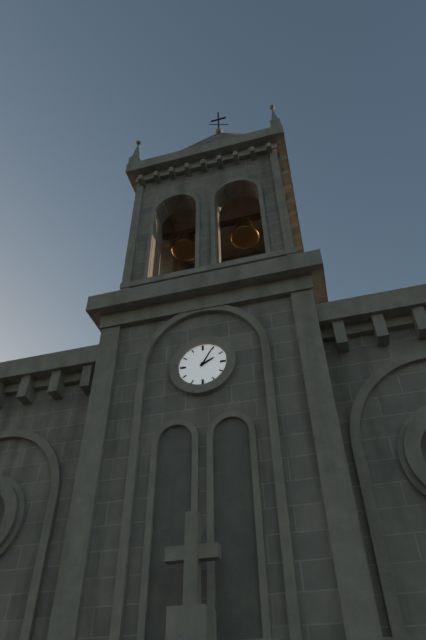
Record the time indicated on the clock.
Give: 2:05
